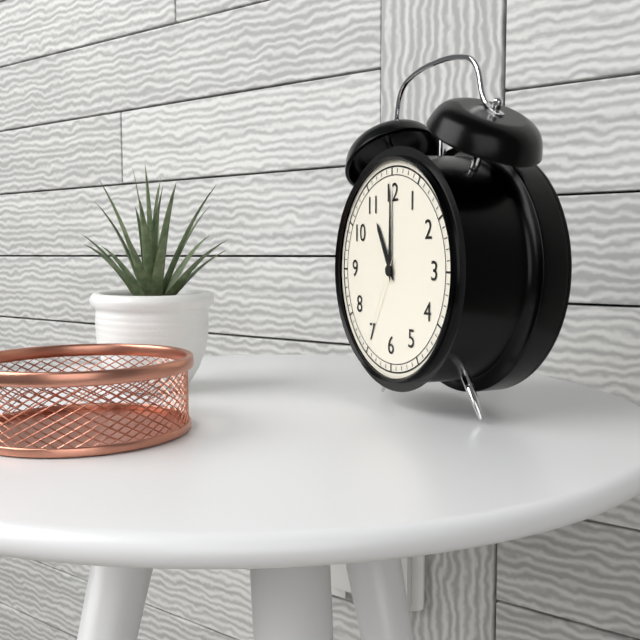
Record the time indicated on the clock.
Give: 11:00:35
